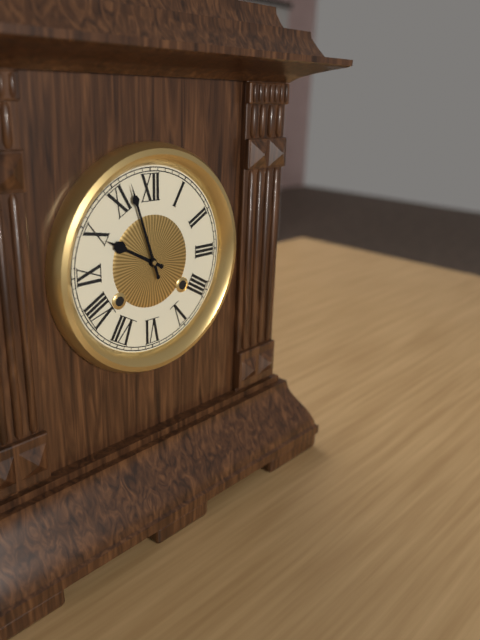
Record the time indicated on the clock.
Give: 9:57
